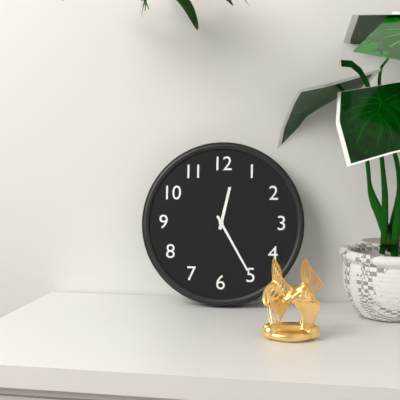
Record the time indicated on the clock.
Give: 12:25
